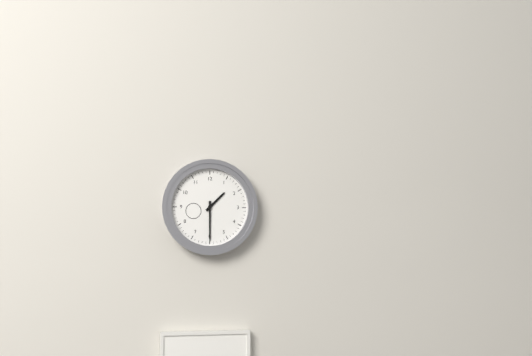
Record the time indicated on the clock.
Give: 1:30
